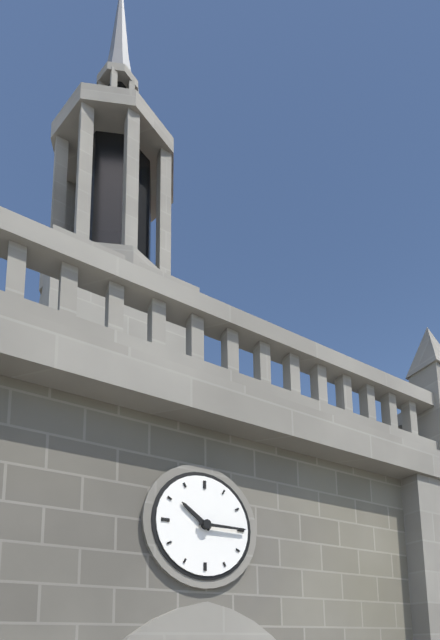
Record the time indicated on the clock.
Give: 10:15
